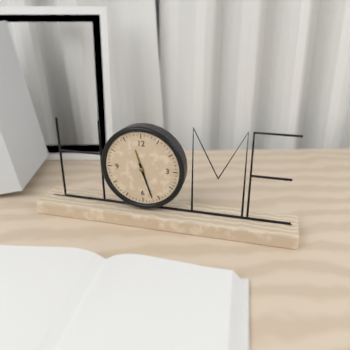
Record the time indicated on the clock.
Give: 11:27
